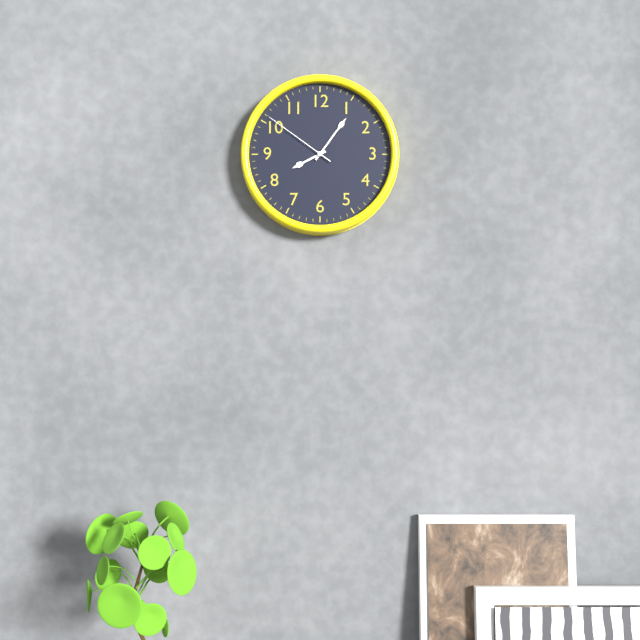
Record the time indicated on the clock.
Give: 8:06:51
